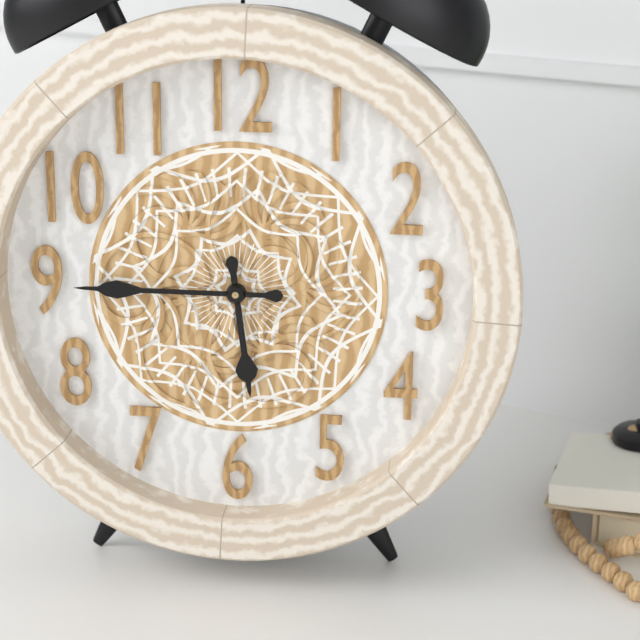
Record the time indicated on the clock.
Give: 5:45
